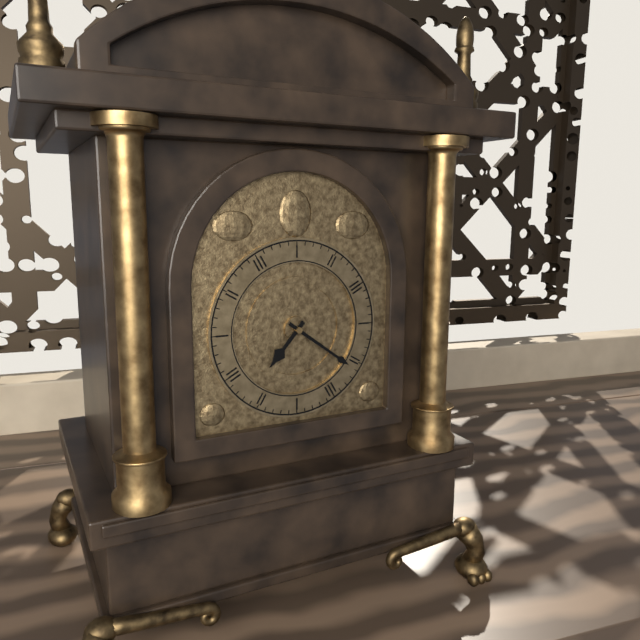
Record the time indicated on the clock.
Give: 7:21
